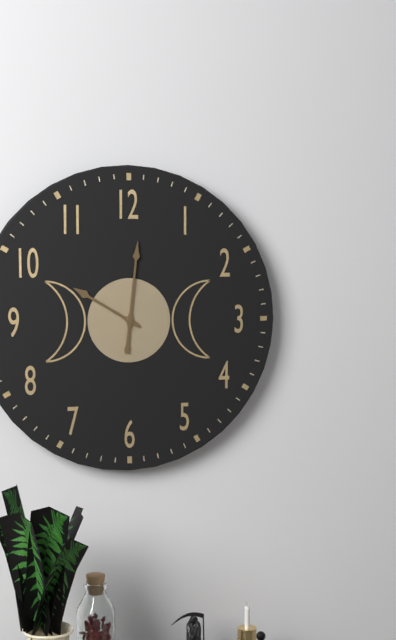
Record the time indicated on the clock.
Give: 10:01
